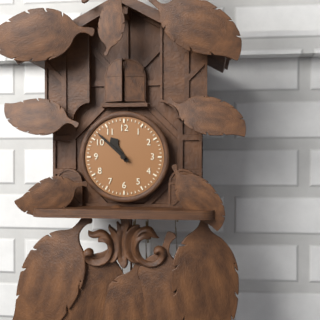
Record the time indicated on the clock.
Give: 10:52
